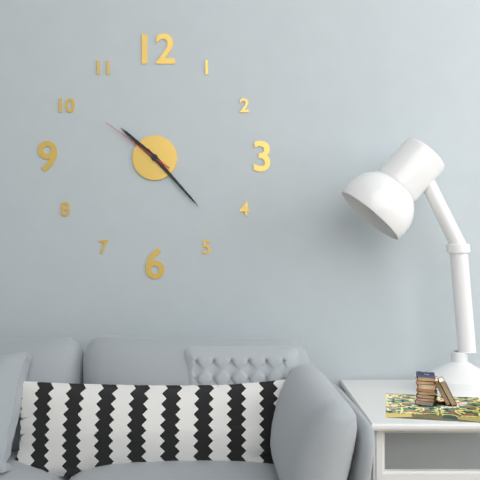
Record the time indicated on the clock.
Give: 10:23:51
